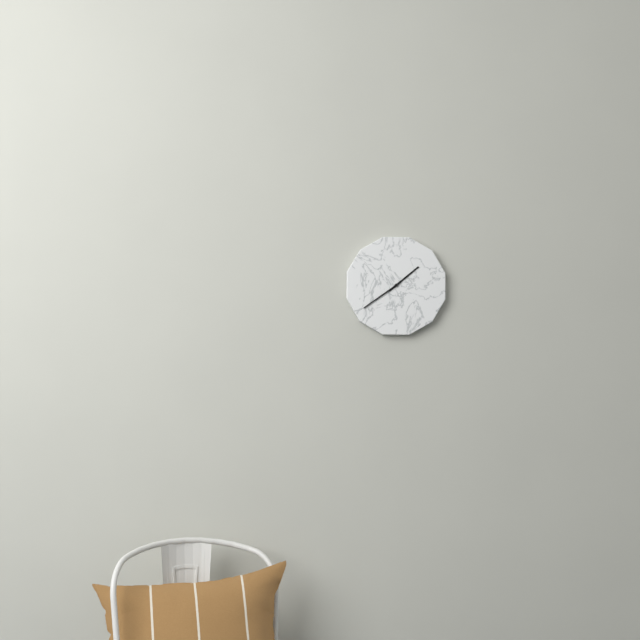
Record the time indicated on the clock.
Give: 1:39
